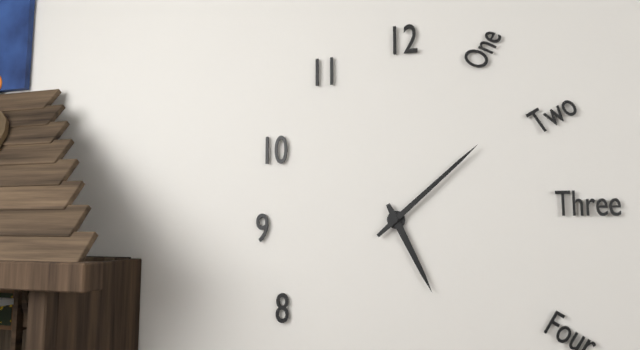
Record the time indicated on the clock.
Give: 5:08
